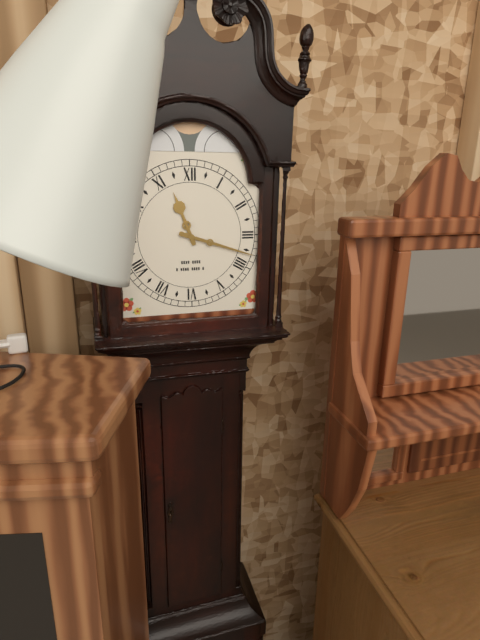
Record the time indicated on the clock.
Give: 11:18
